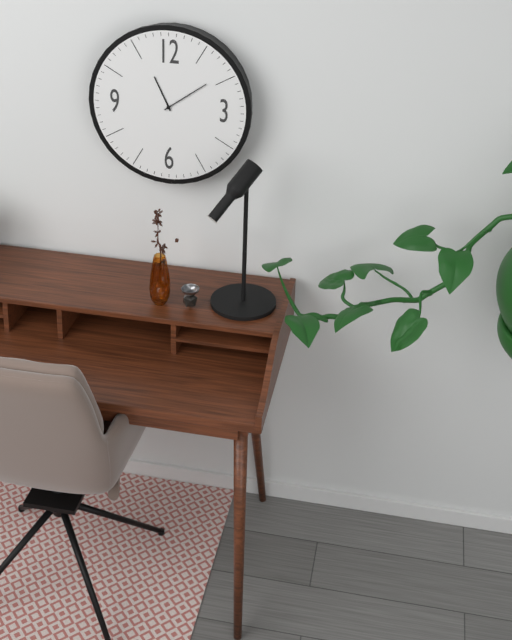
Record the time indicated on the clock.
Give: 11:09
